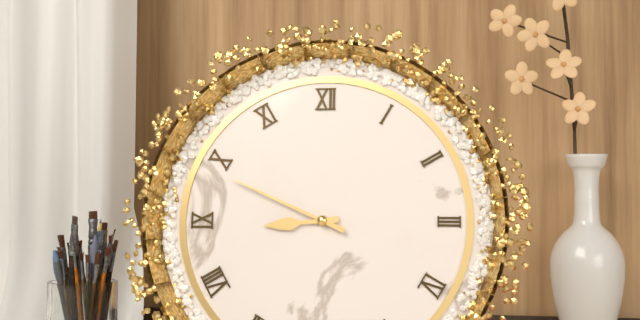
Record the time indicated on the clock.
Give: 8:49
